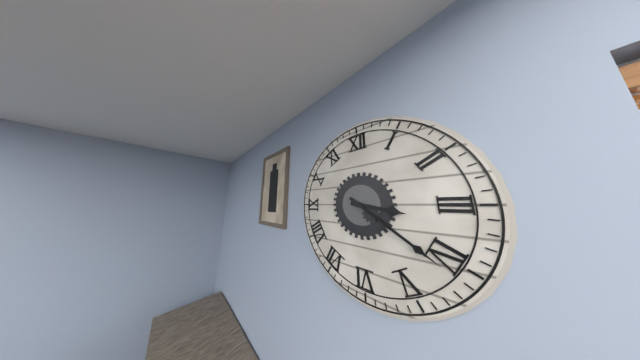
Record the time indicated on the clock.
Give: 3:21
